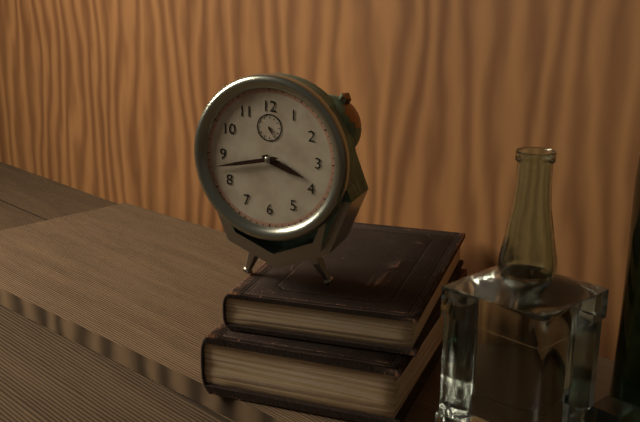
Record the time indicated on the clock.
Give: 3:43
